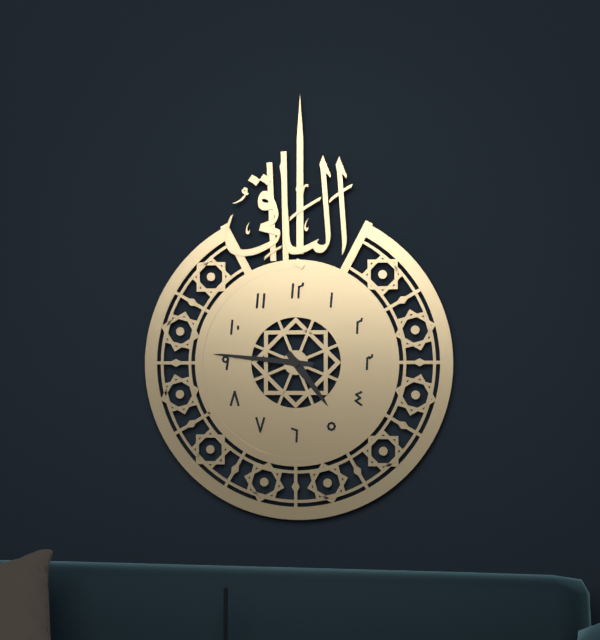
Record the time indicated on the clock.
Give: 4:46
